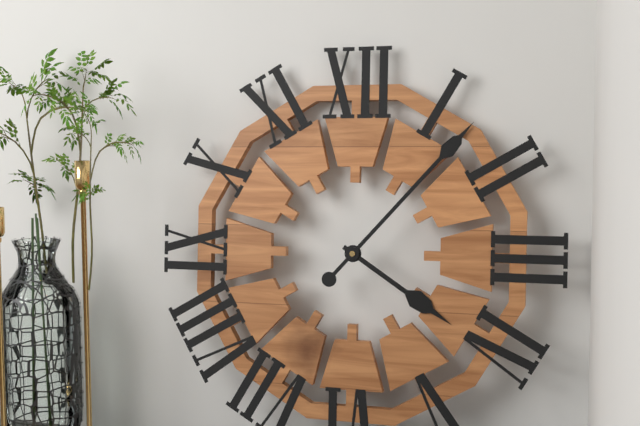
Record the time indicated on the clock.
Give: 4:07
